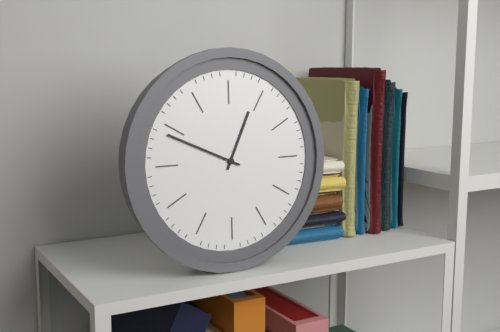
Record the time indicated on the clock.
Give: 12:49
